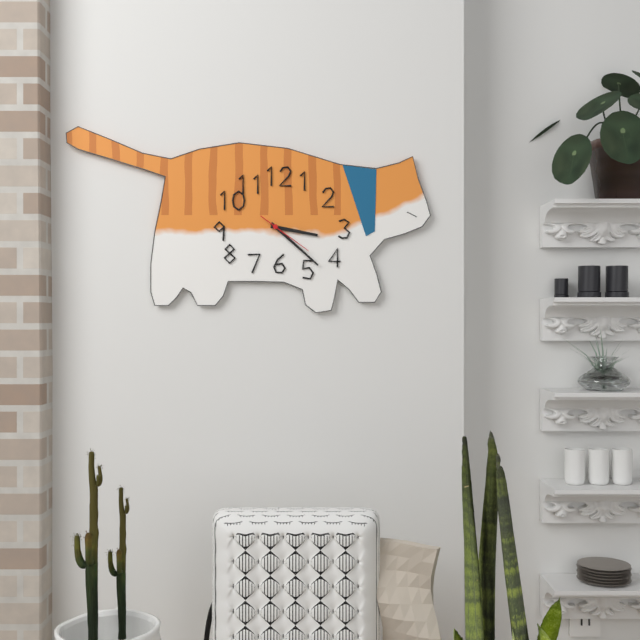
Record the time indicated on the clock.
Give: 3:22:21
